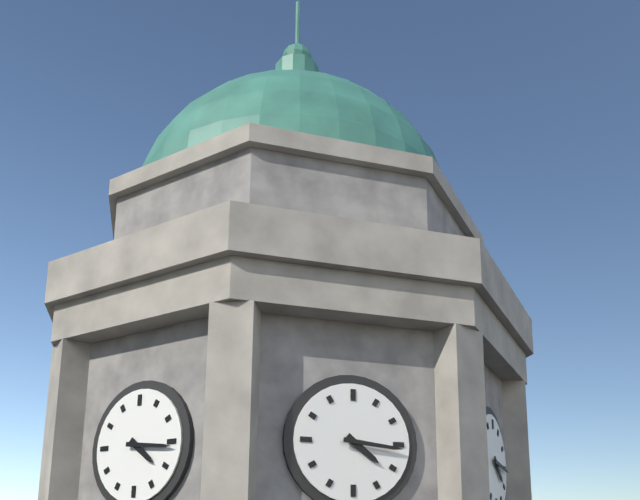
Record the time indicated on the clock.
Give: 4:16
